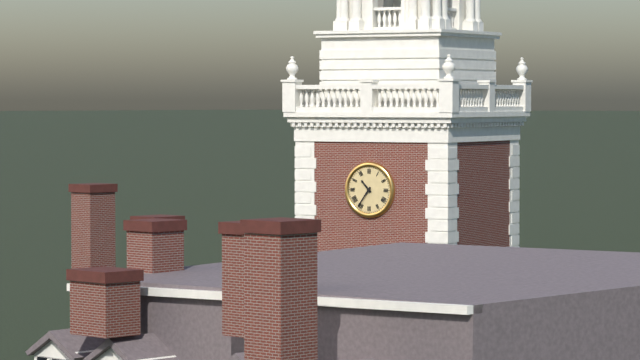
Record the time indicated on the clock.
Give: 10:36
